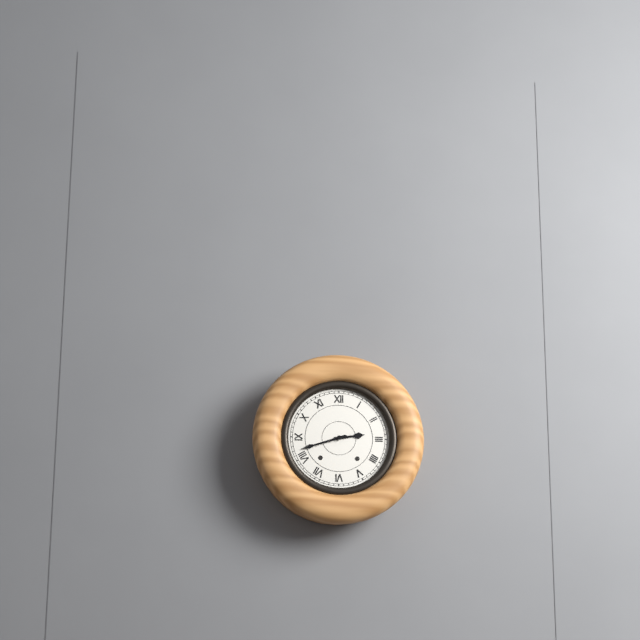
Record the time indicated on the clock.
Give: 2:42
